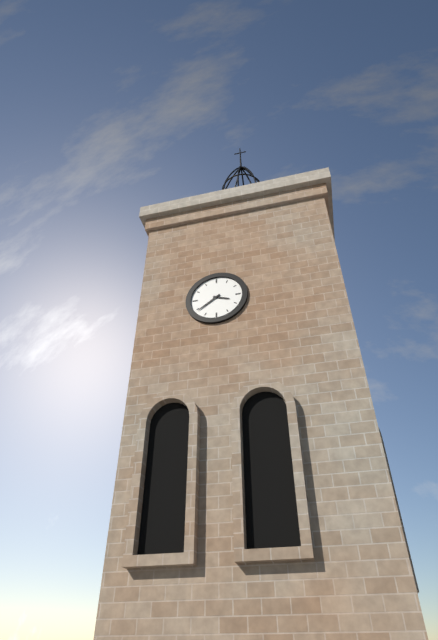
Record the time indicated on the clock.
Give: 3:39
